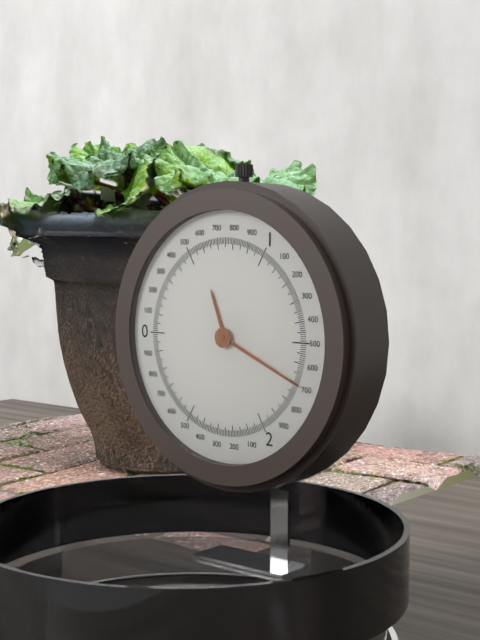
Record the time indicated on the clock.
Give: 11:19
